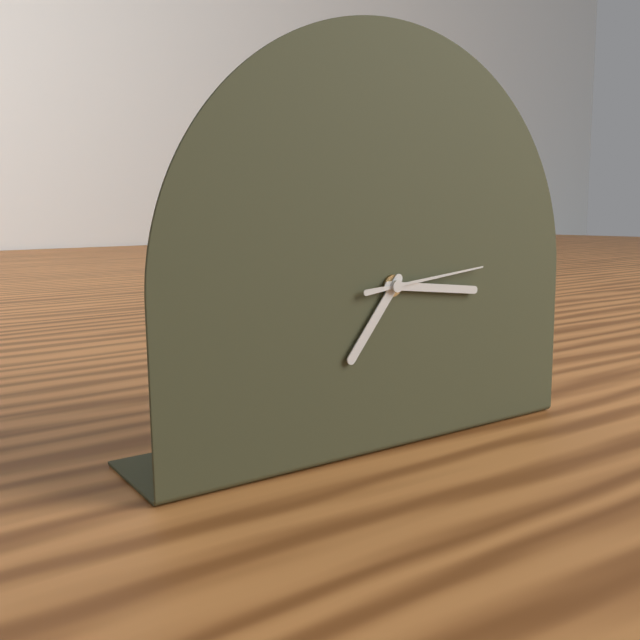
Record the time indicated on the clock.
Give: 7:16:14
